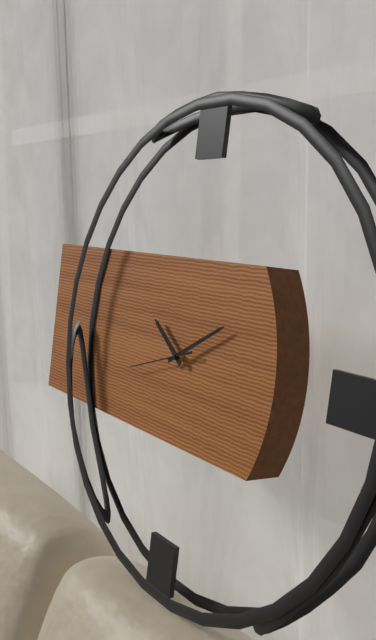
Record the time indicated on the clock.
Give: 10:10:42
